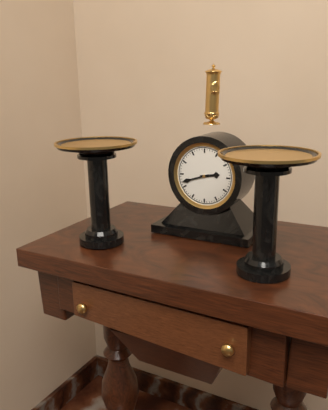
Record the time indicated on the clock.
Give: 2:42
